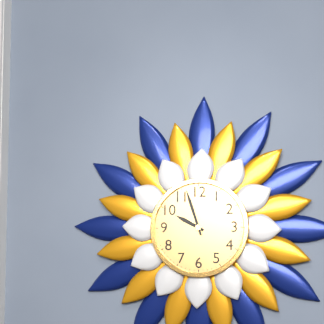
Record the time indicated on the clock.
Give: 9:57
